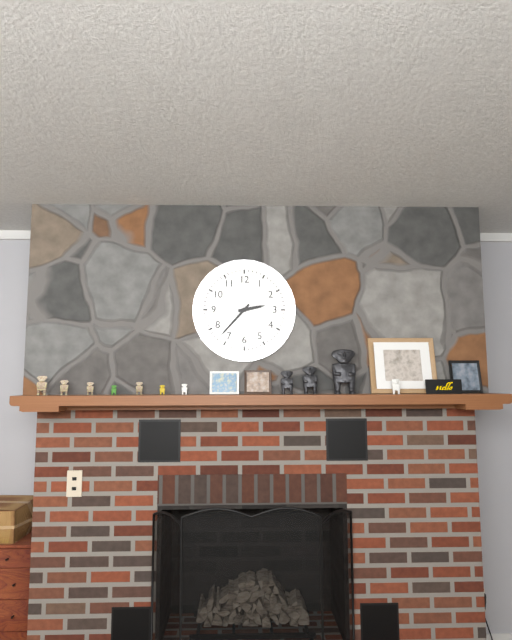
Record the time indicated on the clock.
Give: 2:37
